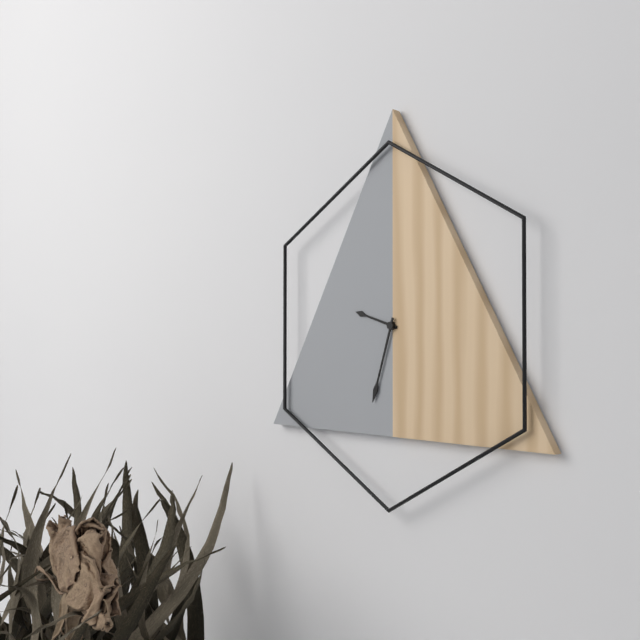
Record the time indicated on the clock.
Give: 9:33
